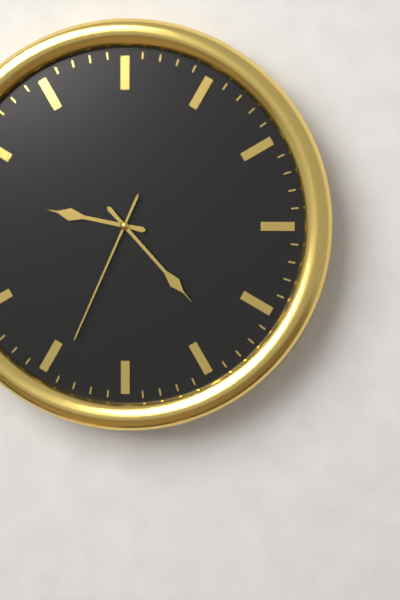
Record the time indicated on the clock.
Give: 9:23:34
